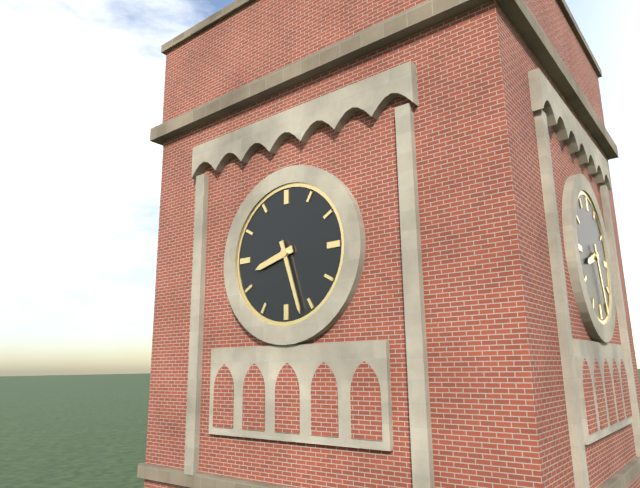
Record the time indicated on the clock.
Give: 8:27
